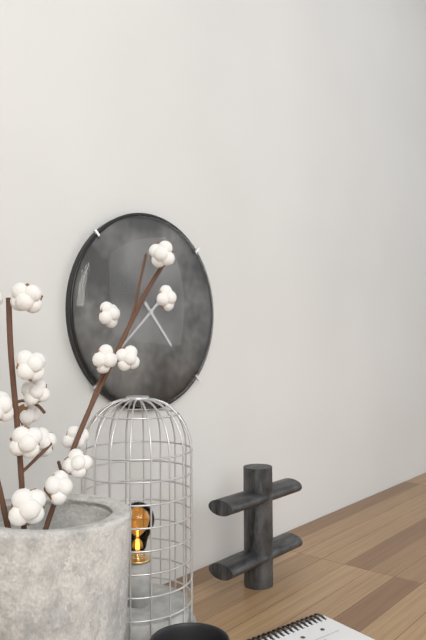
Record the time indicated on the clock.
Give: 4:38
